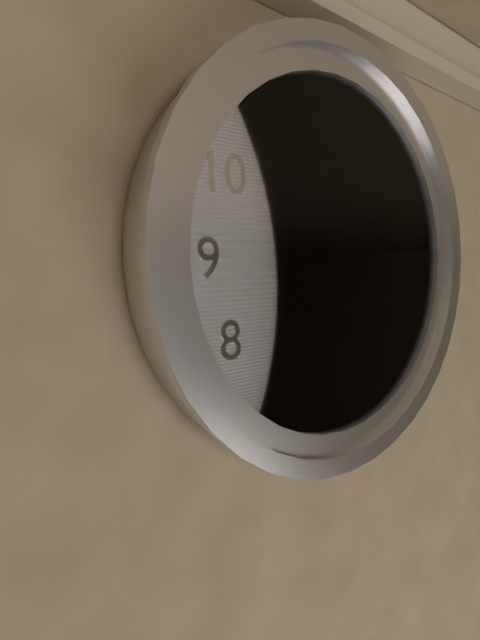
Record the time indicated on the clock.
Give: 4:10:27
